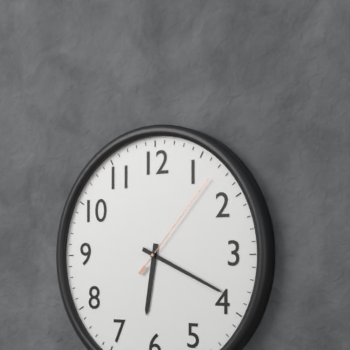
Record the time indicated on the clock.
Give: 6:19:07
